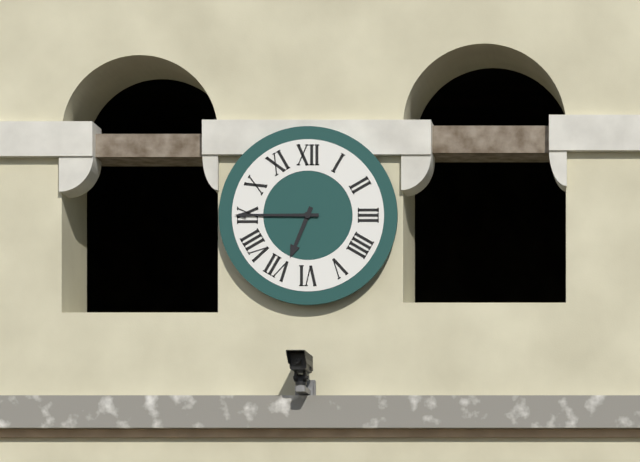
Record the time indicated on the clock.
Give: 6:45
